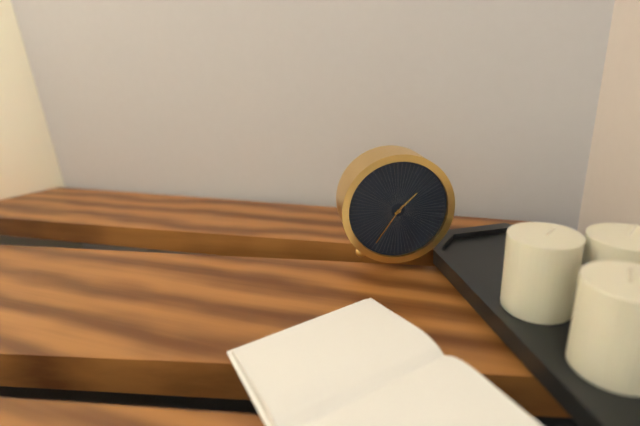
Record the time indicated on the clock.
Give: 1:36
